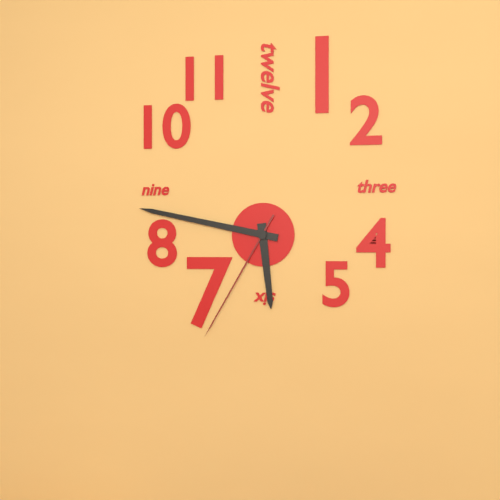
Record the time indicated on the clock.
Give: 5:47:35
